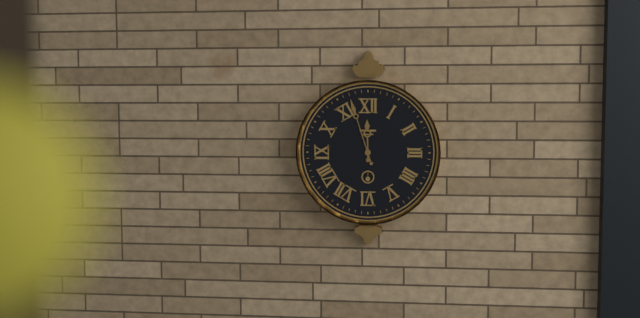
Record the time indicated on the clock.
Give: 11:57
